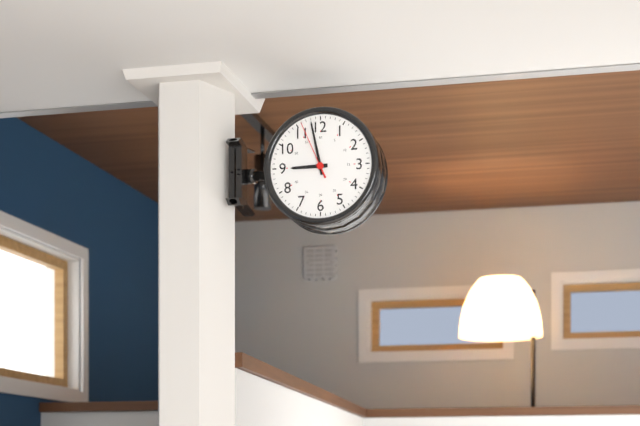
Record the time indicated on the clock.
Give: 8:58:56
